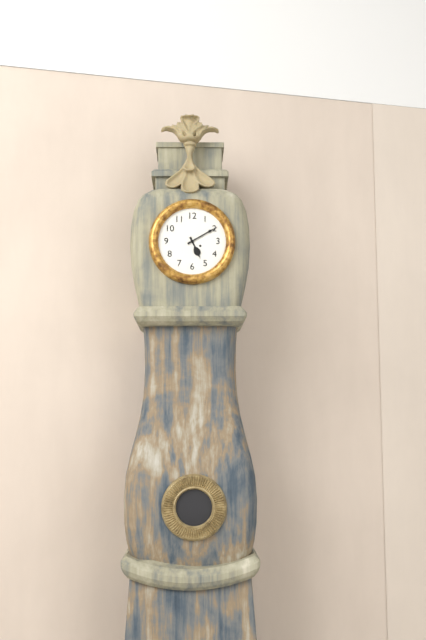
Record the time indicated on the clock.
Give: 5:10
